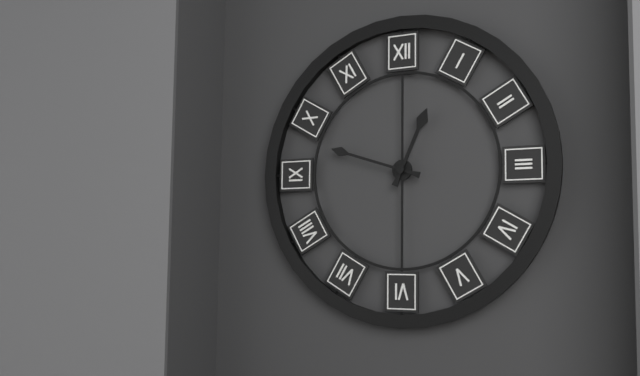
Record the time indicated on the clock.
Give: 12:48
